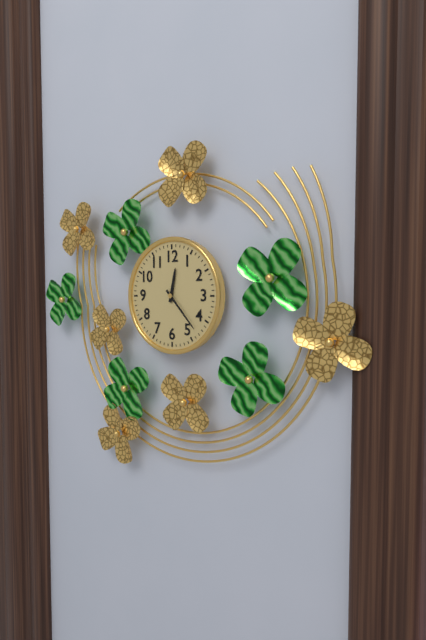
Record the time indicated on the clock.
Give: 12:23
